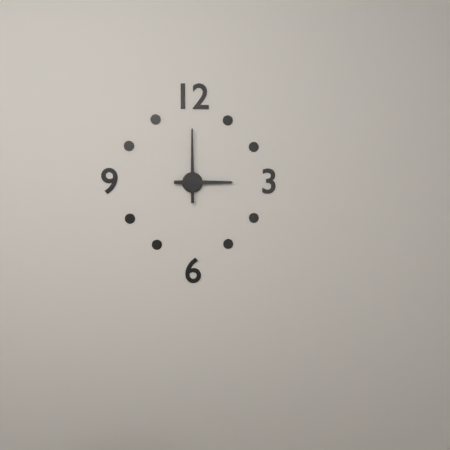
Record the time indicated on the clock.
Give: 3:00
